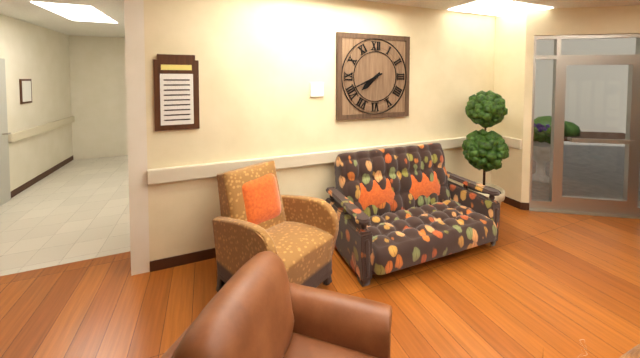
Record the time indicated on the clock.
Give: 7:41
